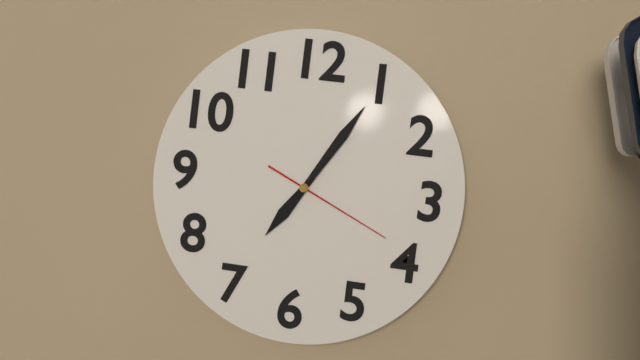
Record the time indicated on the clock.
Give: 7:05:19
